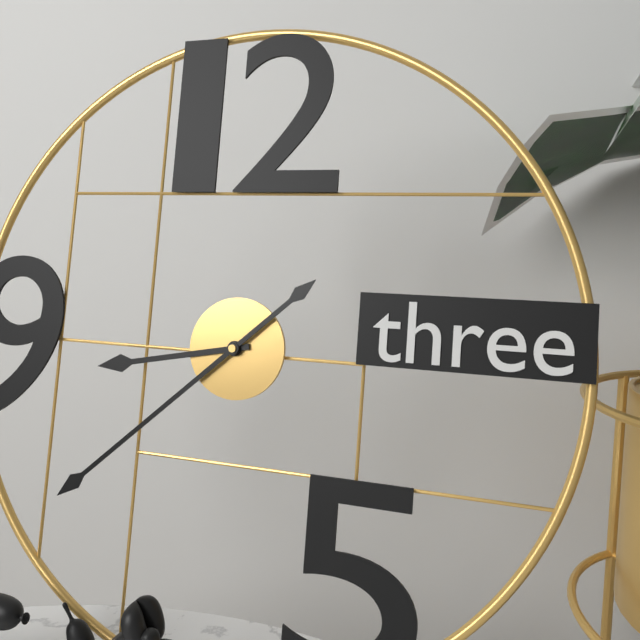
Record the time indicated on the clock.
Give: 8:38
